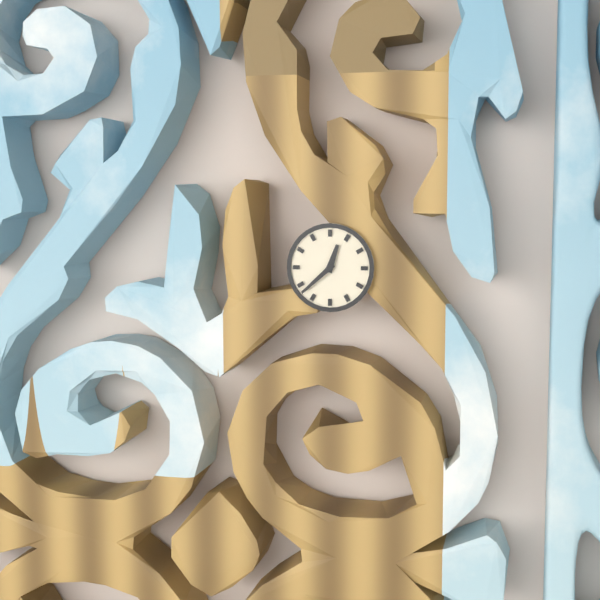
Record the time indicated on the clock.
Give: 12:38
